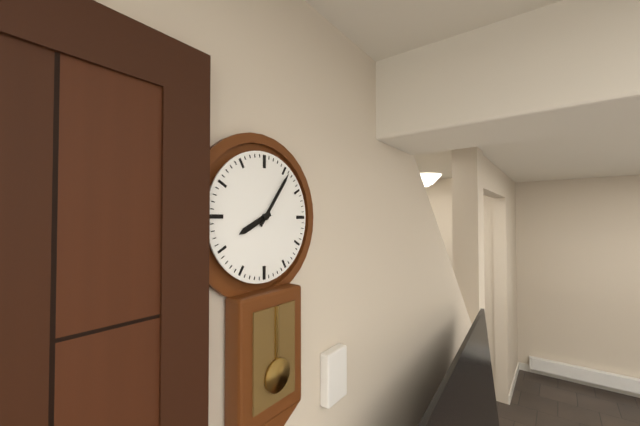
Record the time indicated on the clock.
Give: 8:06
